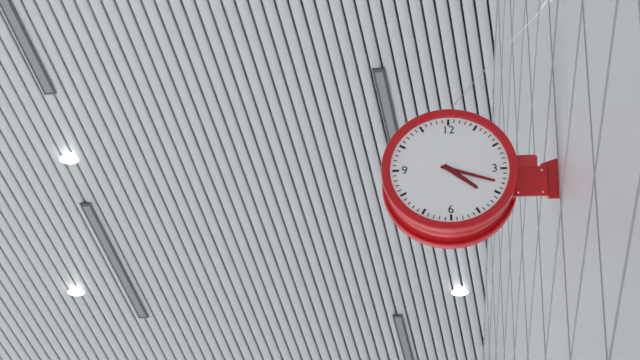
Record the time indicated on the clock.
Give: 4:18
